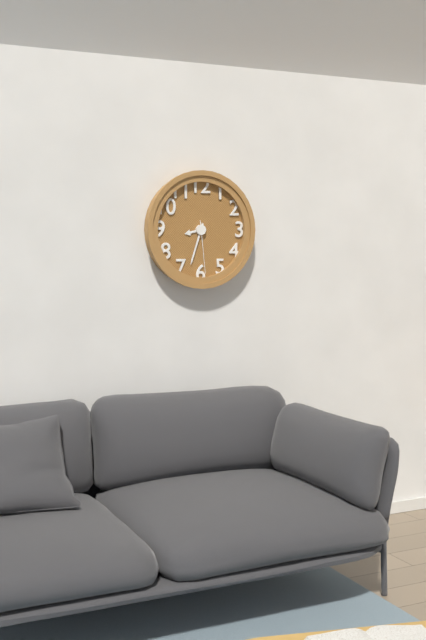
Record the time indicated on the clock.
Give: 8:33:29
